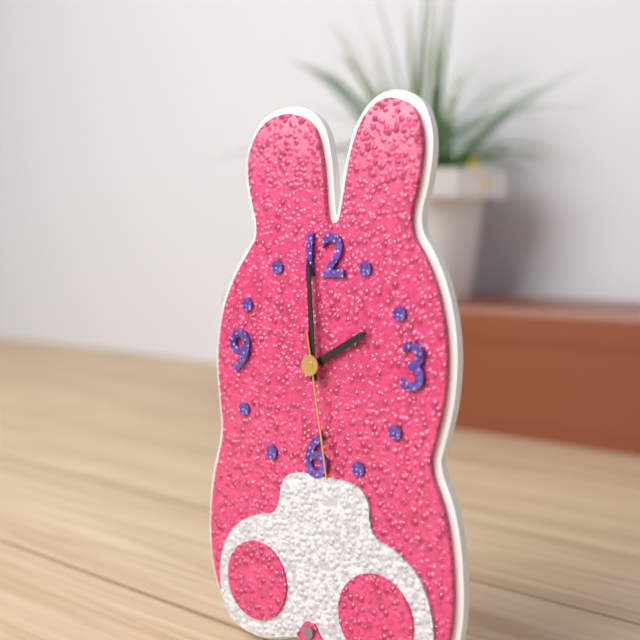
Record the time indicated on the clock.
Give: 1:59:28
